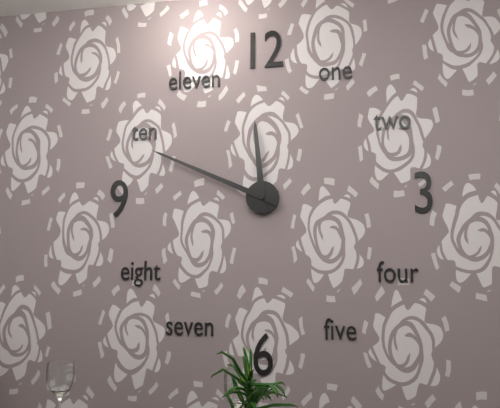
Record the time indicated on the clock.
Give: 11:49
